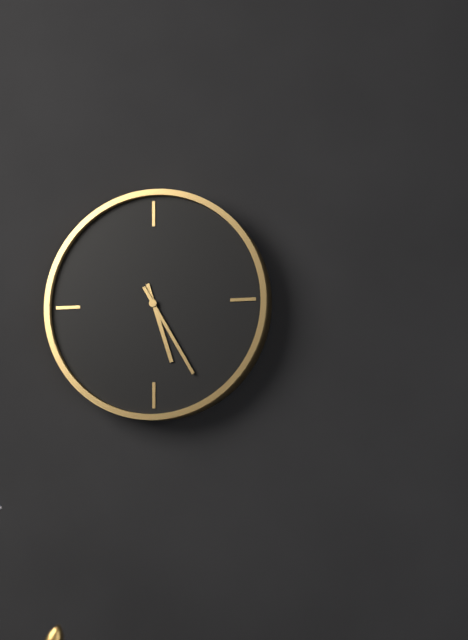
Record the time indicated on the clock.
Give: 5:25
